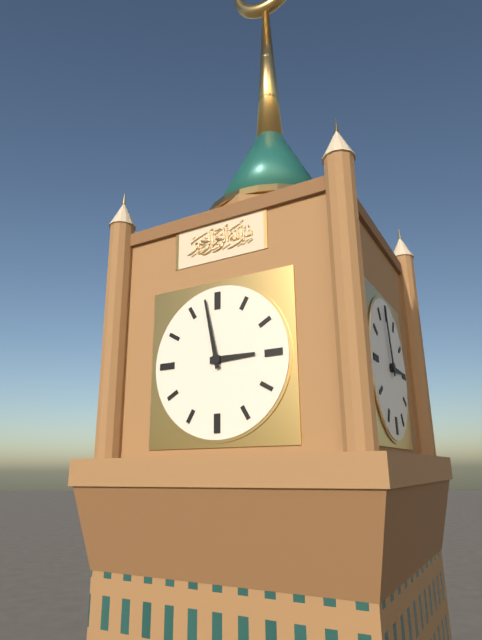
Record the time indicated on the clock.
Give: 2:58
